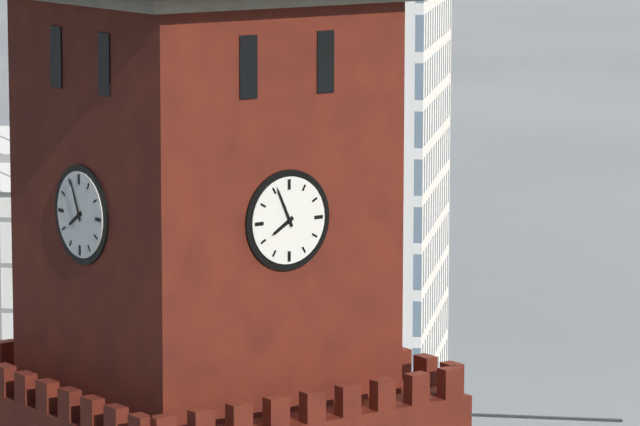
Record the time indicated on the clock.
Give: 7:56
